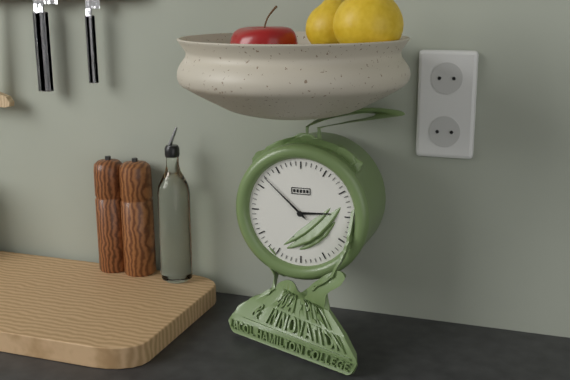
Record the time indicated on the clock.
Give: 2:52
